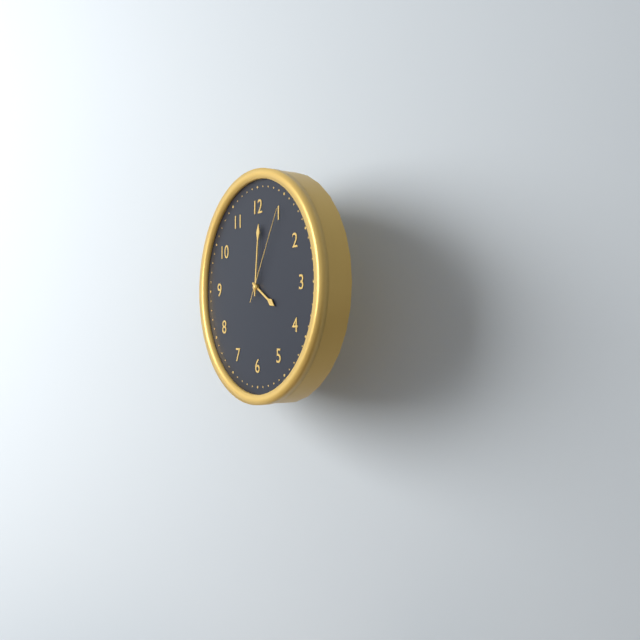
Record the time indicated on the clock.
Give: 4:01:05
